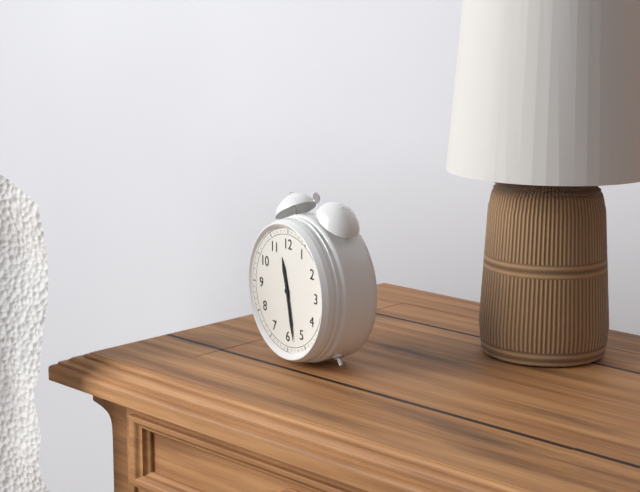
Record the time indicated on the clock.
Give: 11:28
